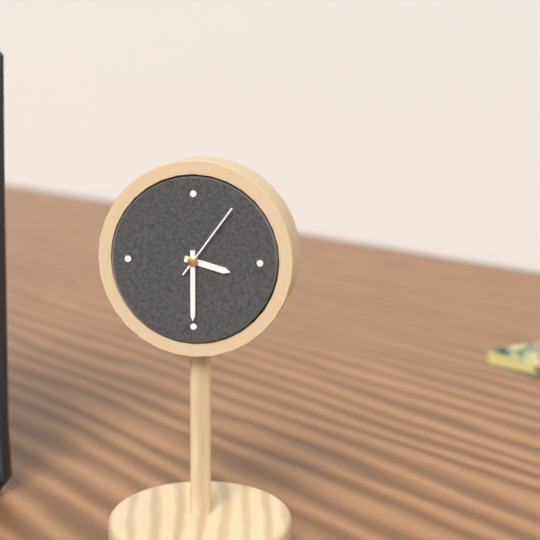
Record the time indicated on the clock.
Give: 3:30:06
